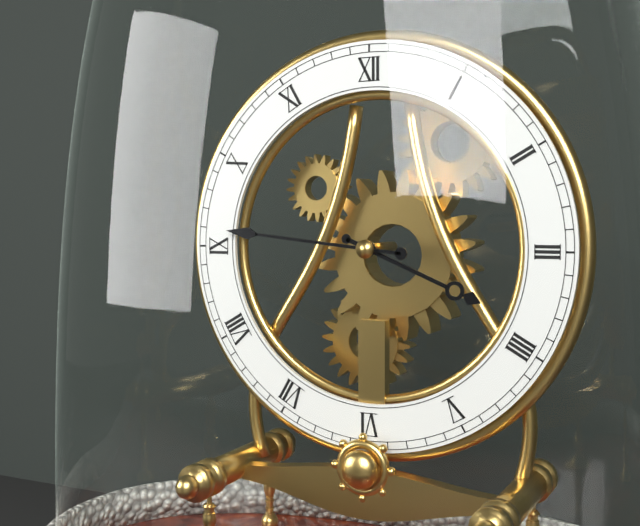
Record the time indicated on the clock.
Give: 3:46
